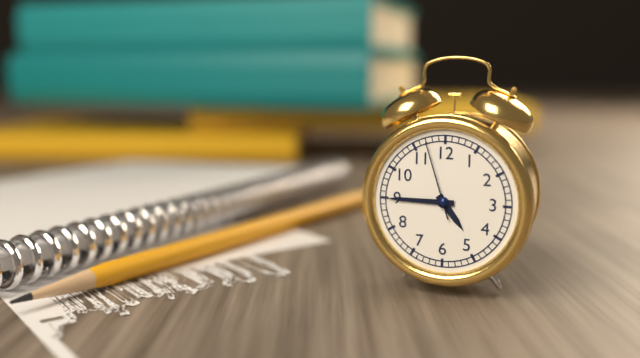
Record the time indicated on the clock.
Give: 4:45:57
